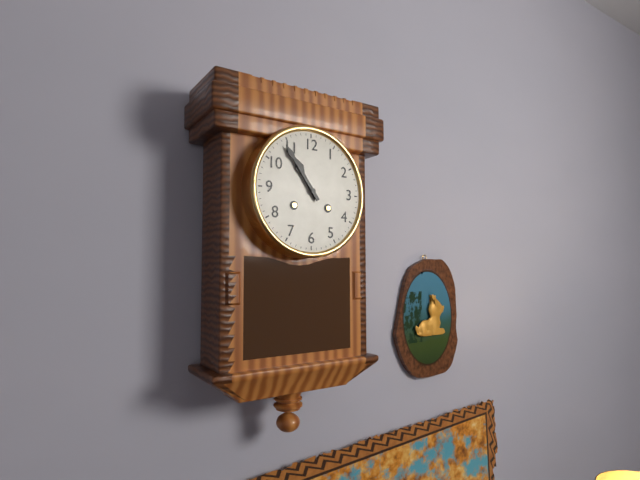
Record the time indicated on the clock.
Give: 10:54
